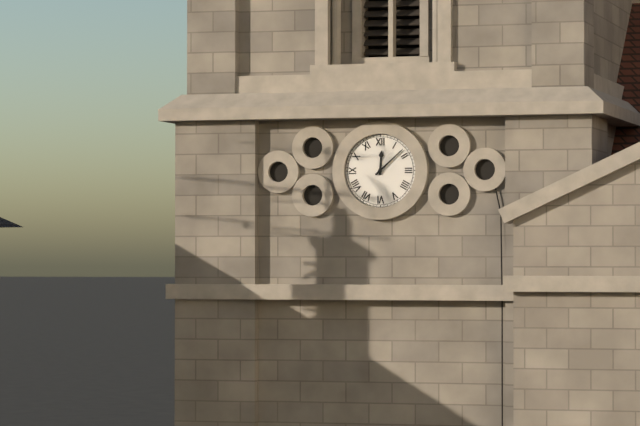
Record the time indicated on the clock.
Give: 12:08
